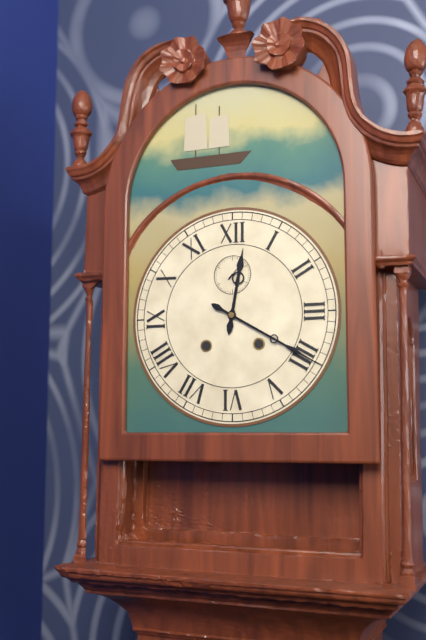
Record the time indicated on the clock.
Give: 12:20
